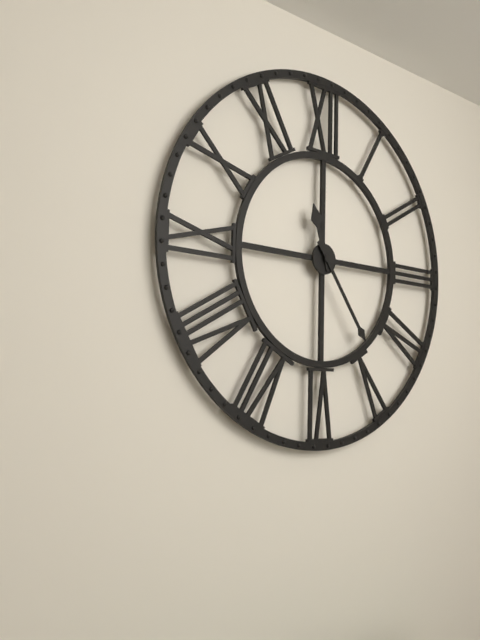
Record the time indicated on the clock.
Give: 11:24
